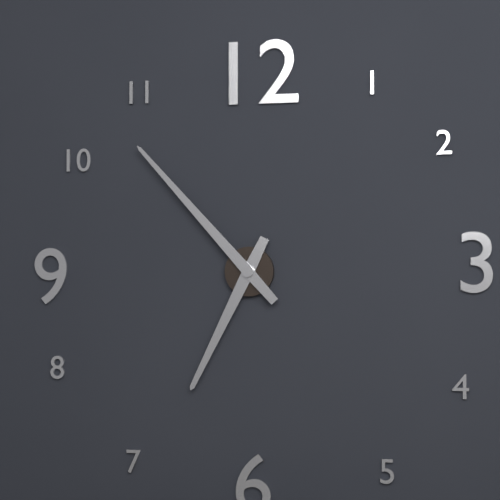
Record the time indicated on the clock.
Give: 6:53
